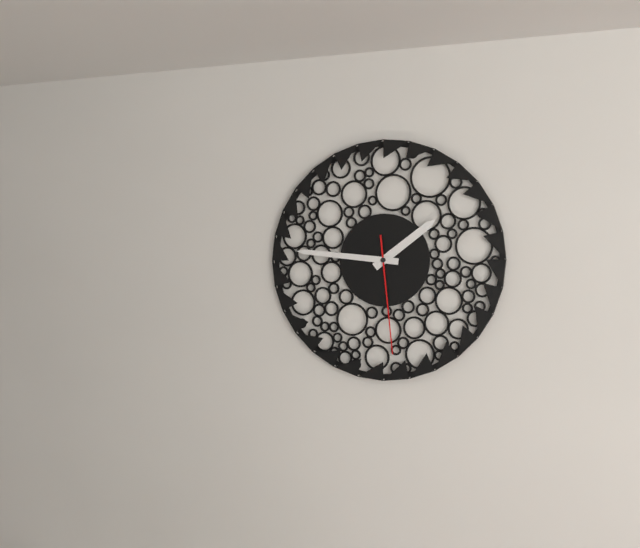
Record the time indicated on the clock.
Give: 1:46:29
